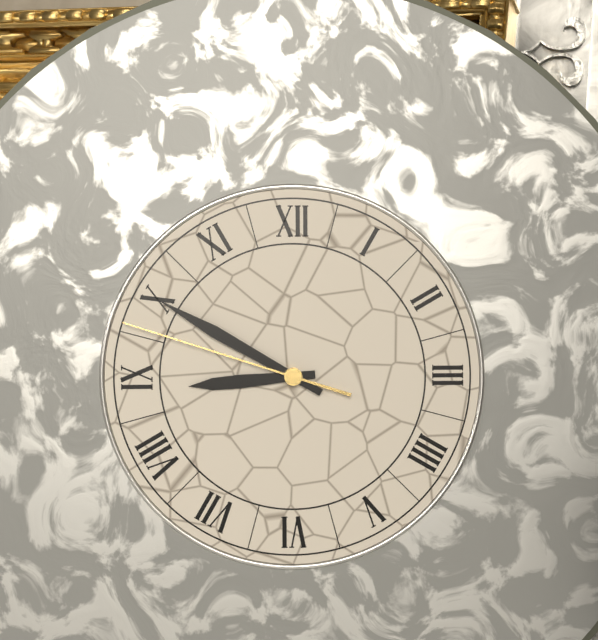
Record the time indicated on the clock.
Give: 8:50:48
